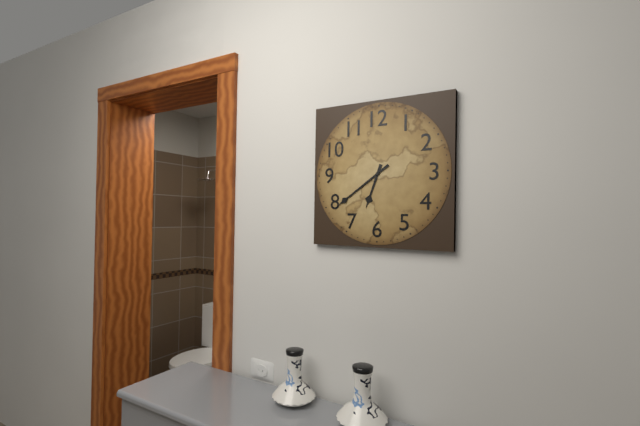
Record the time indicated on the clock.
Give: 6:39
